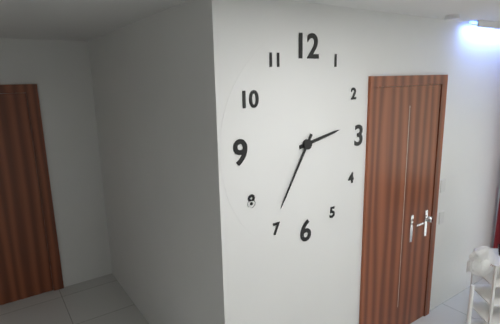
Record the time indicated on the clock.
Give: 2:35
